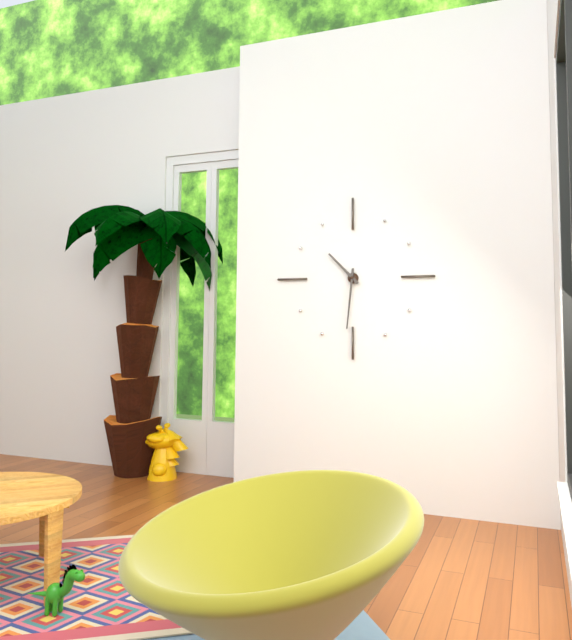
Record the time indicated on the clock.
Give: 10:31
